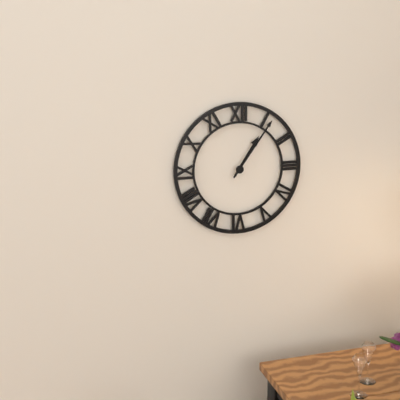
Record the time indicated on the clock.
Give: 1:06
